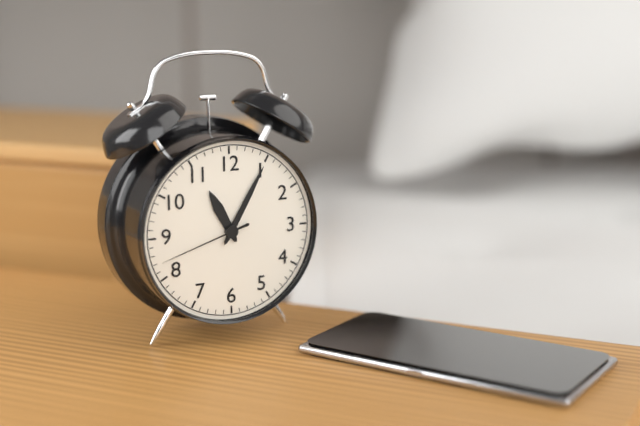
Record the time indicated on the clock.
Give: 11:05:42
